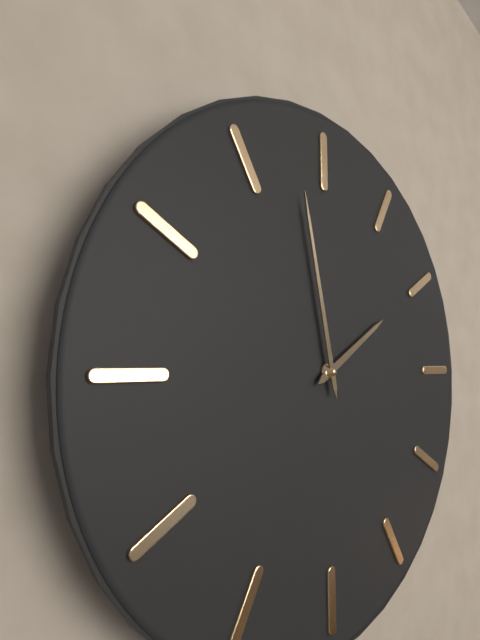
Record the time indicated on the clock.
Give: 1:58
